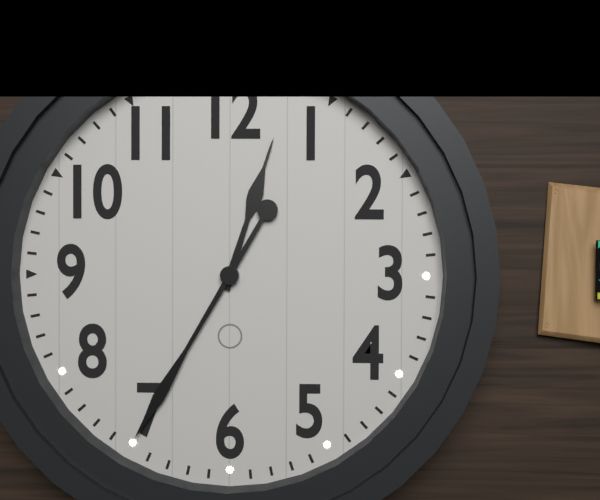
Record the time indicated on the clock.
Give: 12:35
